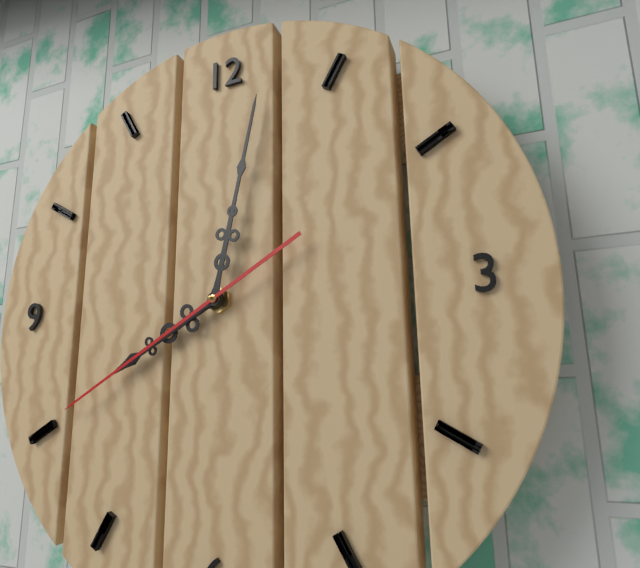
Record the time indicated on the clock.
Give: 8:02:40
